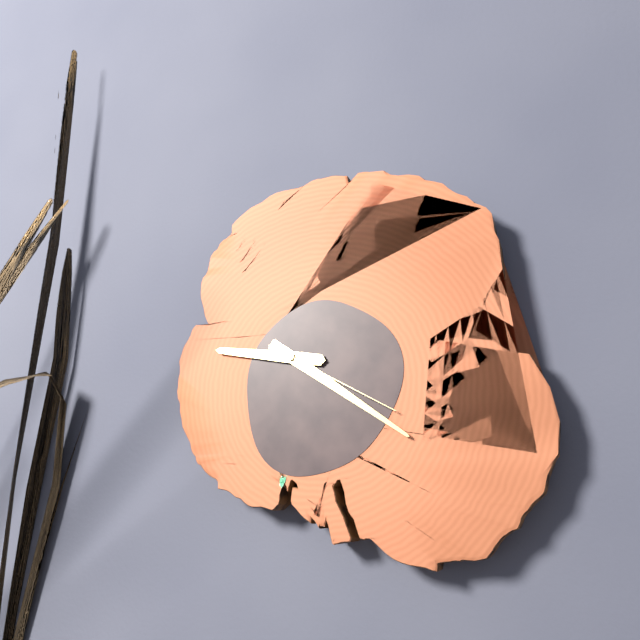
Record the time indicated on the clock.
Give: 9:21:20
